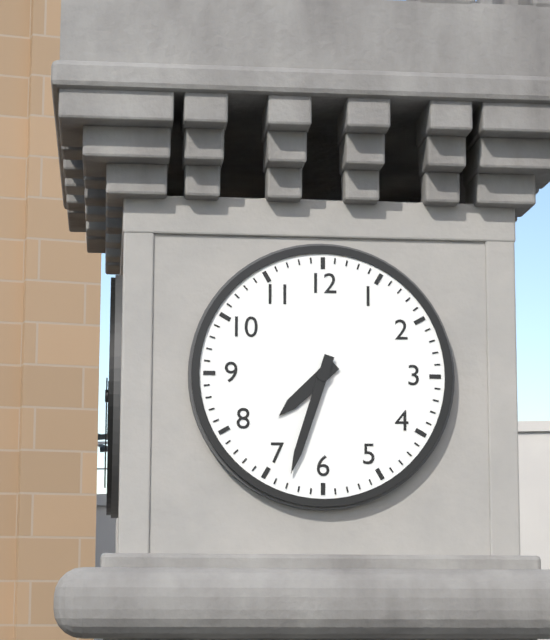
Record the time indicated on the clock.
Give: 7:33
